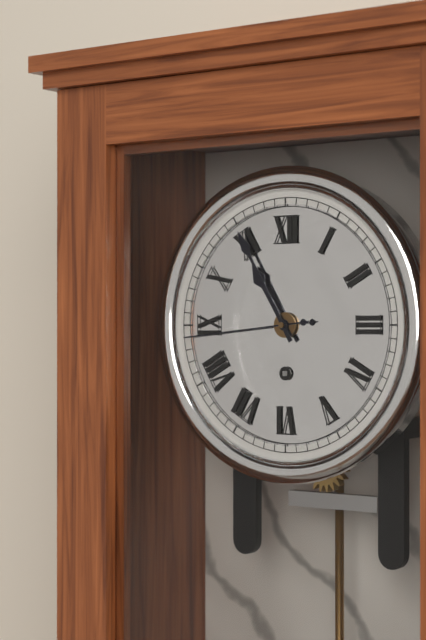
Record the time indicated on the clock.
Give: 10:55:44
